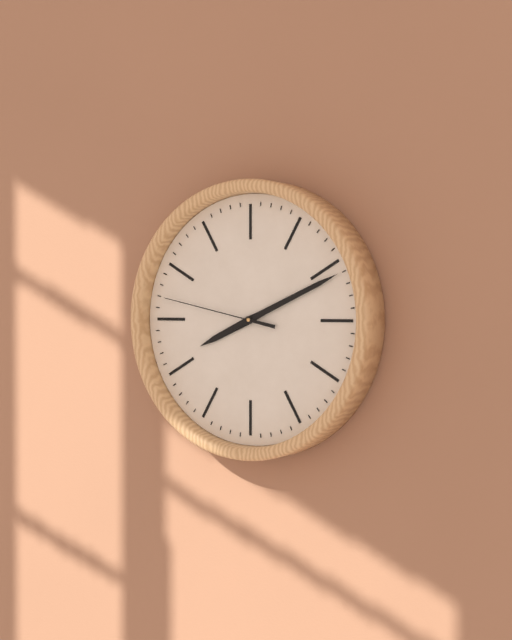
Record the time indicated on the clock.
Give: 8:11:47
